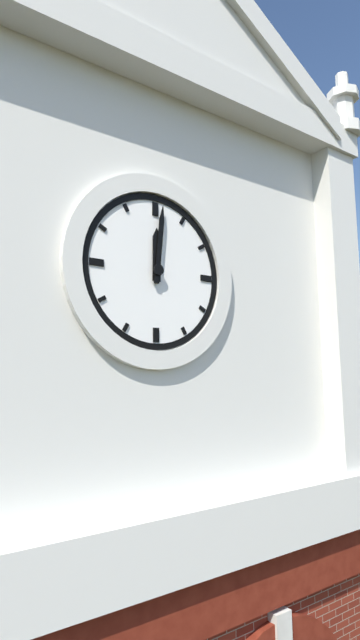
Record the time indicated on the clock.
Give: 12:01
